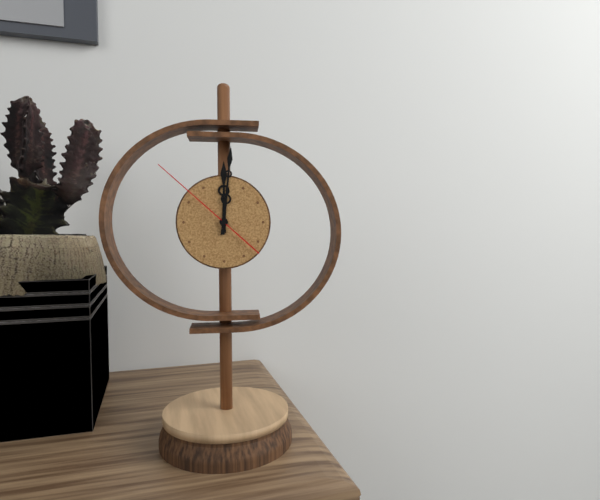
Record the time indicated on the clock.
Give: 12:01:52
